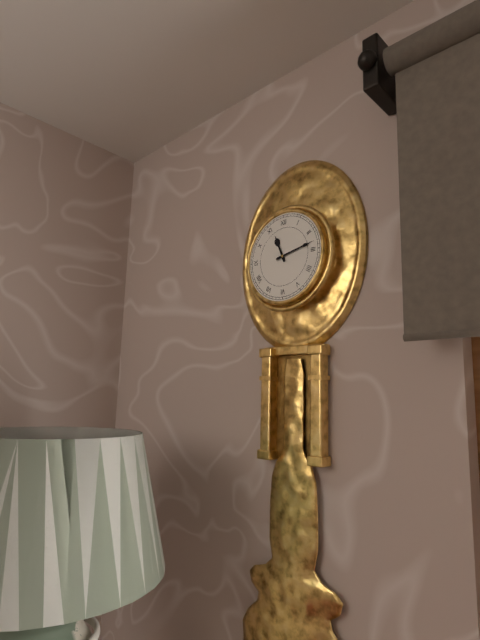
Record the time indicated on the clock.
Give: 11:13
